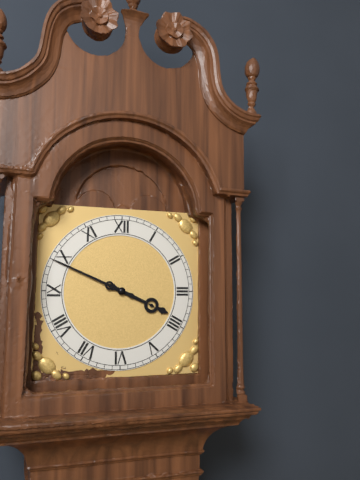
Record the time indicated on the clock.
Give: 3:49
